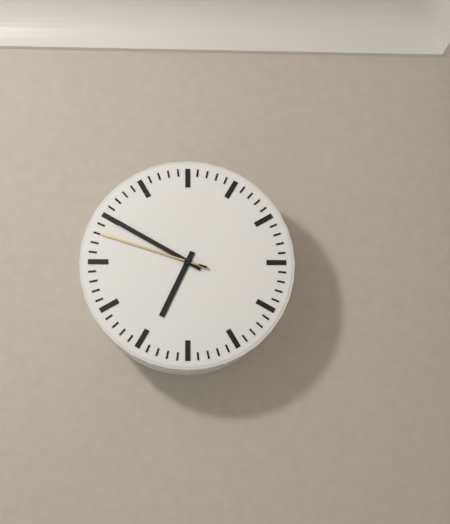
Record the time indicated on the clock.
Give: 6:50:48
